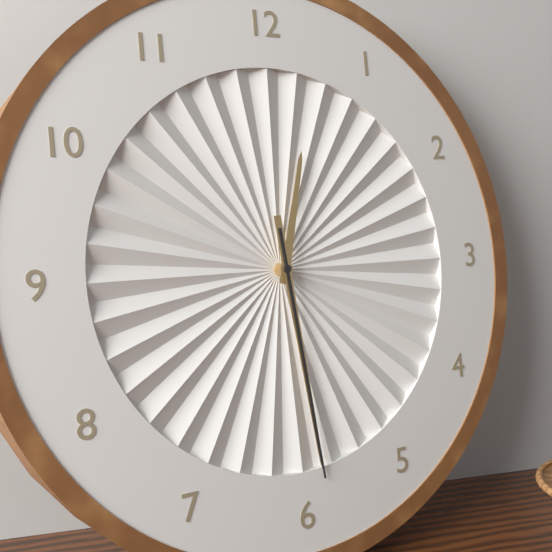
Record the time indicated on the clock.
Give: 12:29:29
